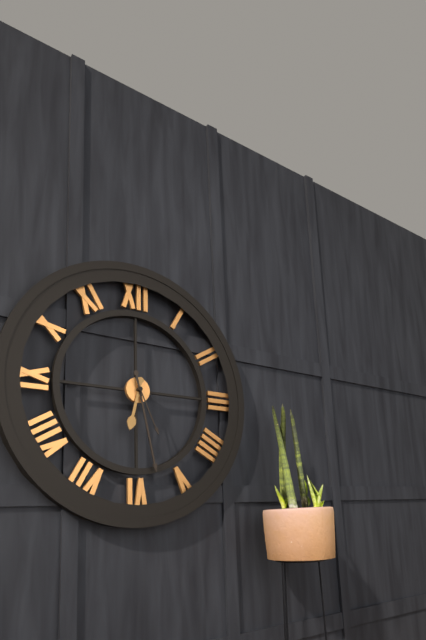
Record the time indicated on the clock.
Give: 6:28:26
